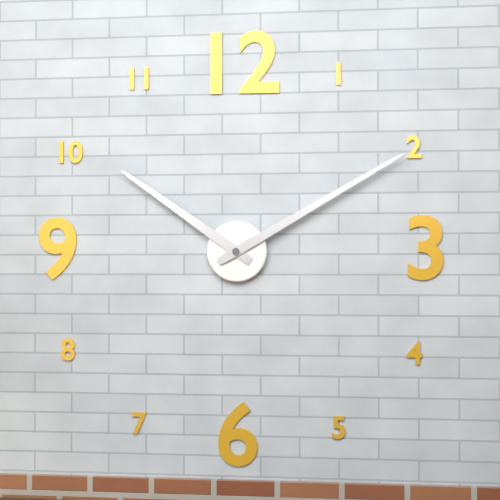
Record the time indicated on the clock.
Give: 10:10
